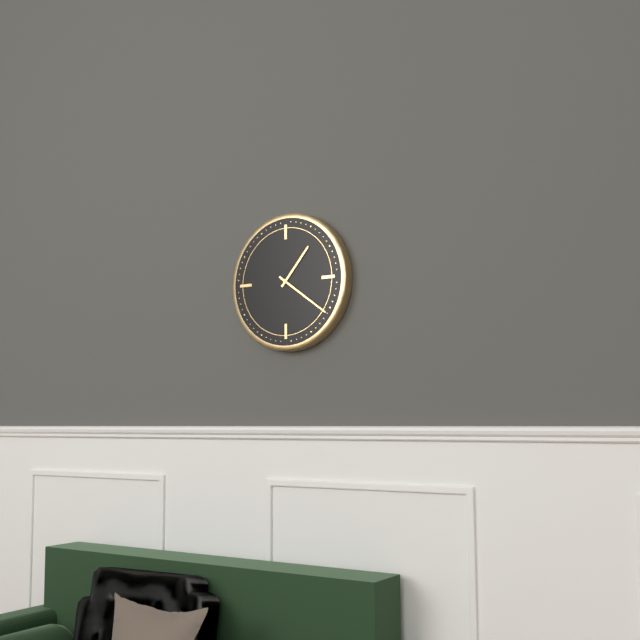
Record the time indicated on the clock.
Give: 1:21
